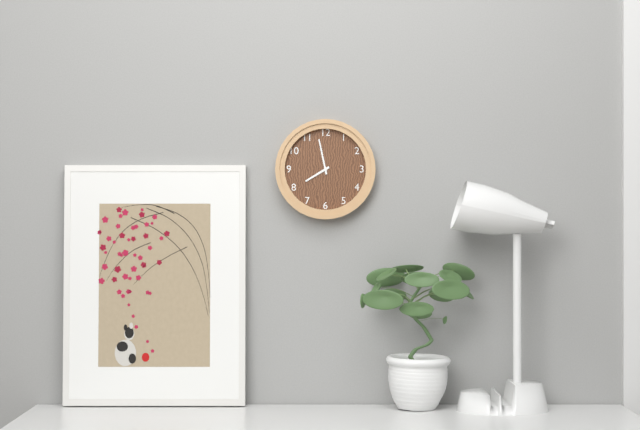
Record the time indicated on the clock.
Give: 7:58
